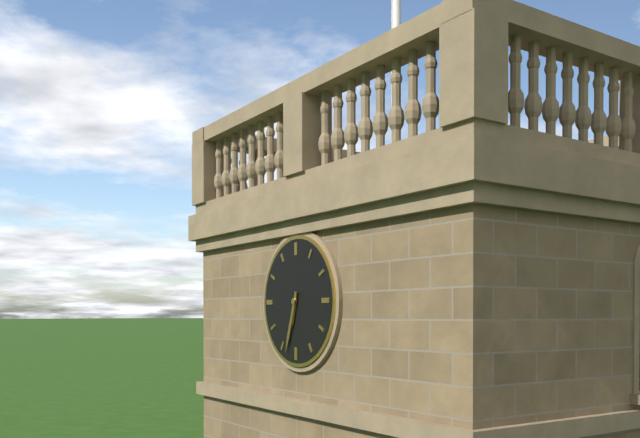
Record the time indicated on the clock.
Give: 6:33
